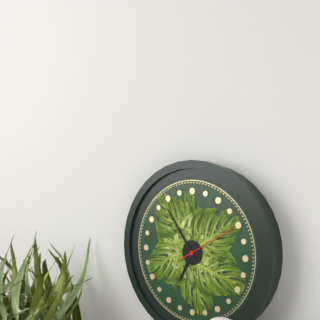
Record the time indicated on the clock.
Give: 6:54:10
